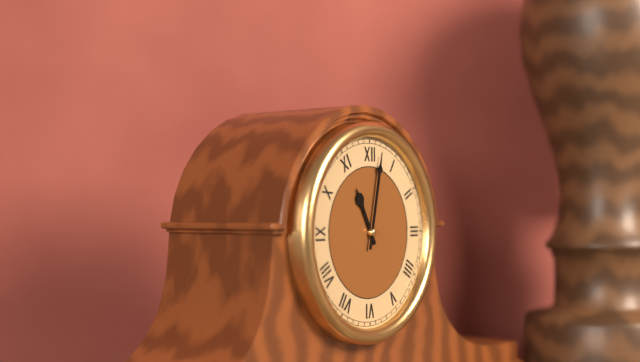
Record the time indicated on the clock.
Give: 11:02
